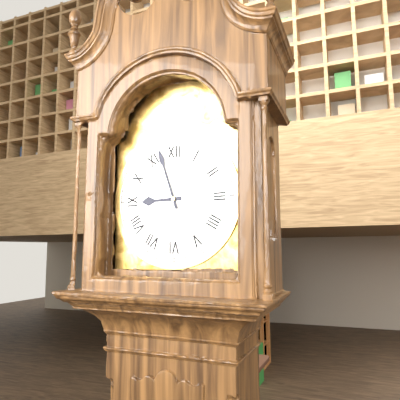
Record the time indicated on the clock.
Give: 8:57
